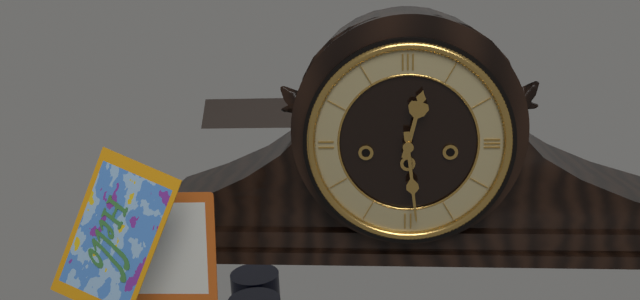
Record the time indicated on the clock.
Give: 12:29
